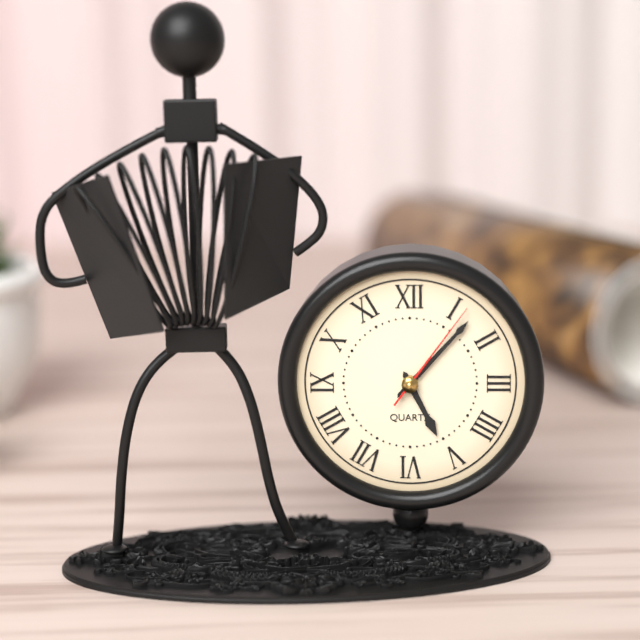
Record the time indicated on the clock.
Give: 5:07:06
